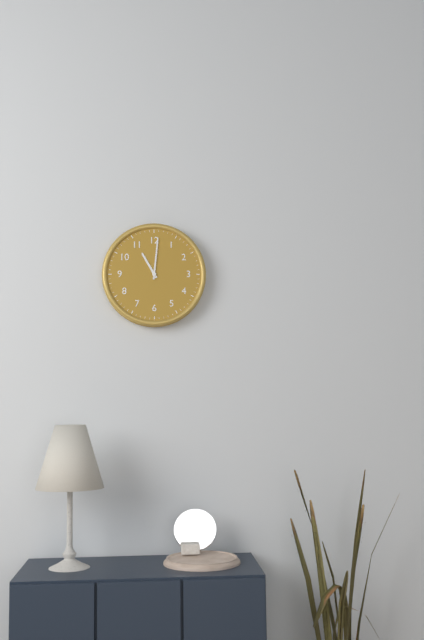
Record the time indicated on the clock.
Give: 11:01
